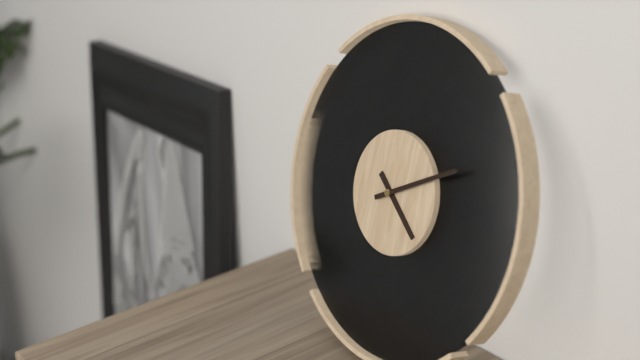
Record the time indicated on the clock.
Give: 4:10
